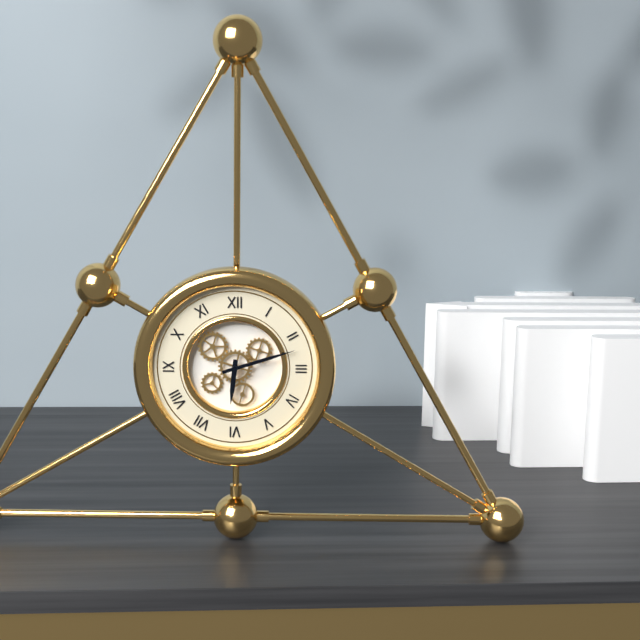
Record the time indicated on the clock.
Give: 6:12
